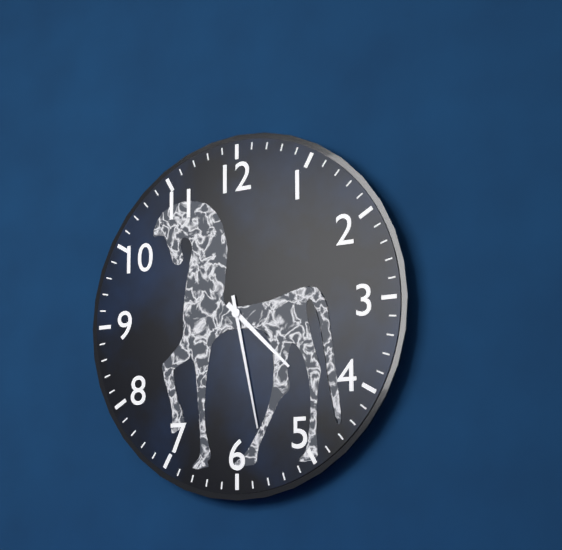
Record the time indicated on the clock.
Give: 4:28
